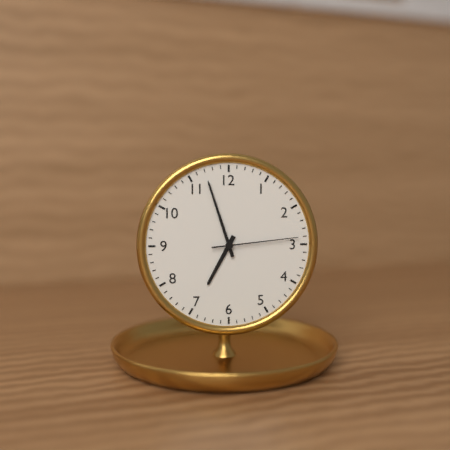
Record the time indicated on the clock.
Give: 6:57:14
